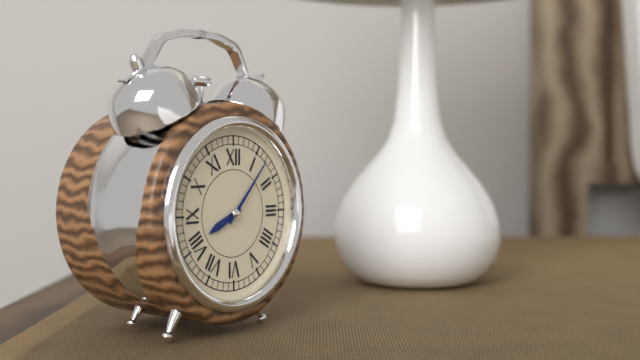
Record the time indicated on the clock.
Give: 8:07
